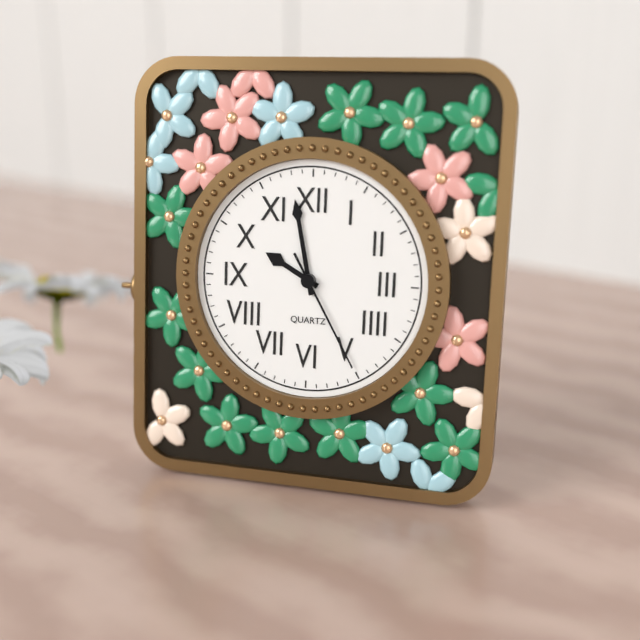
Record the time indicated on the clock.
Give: 9:58:25
